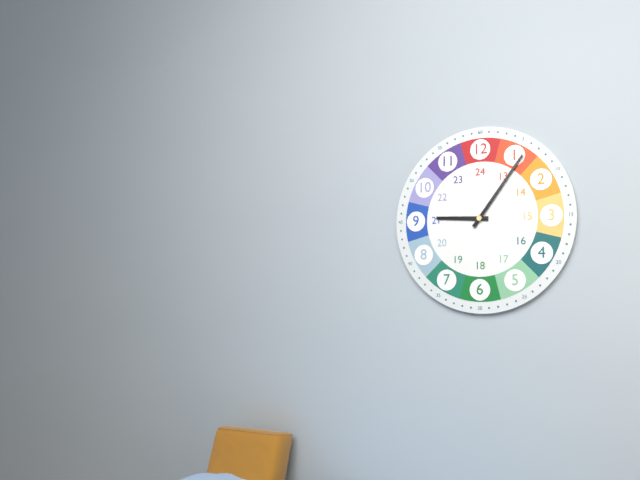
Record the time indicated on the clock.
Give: 9:06
